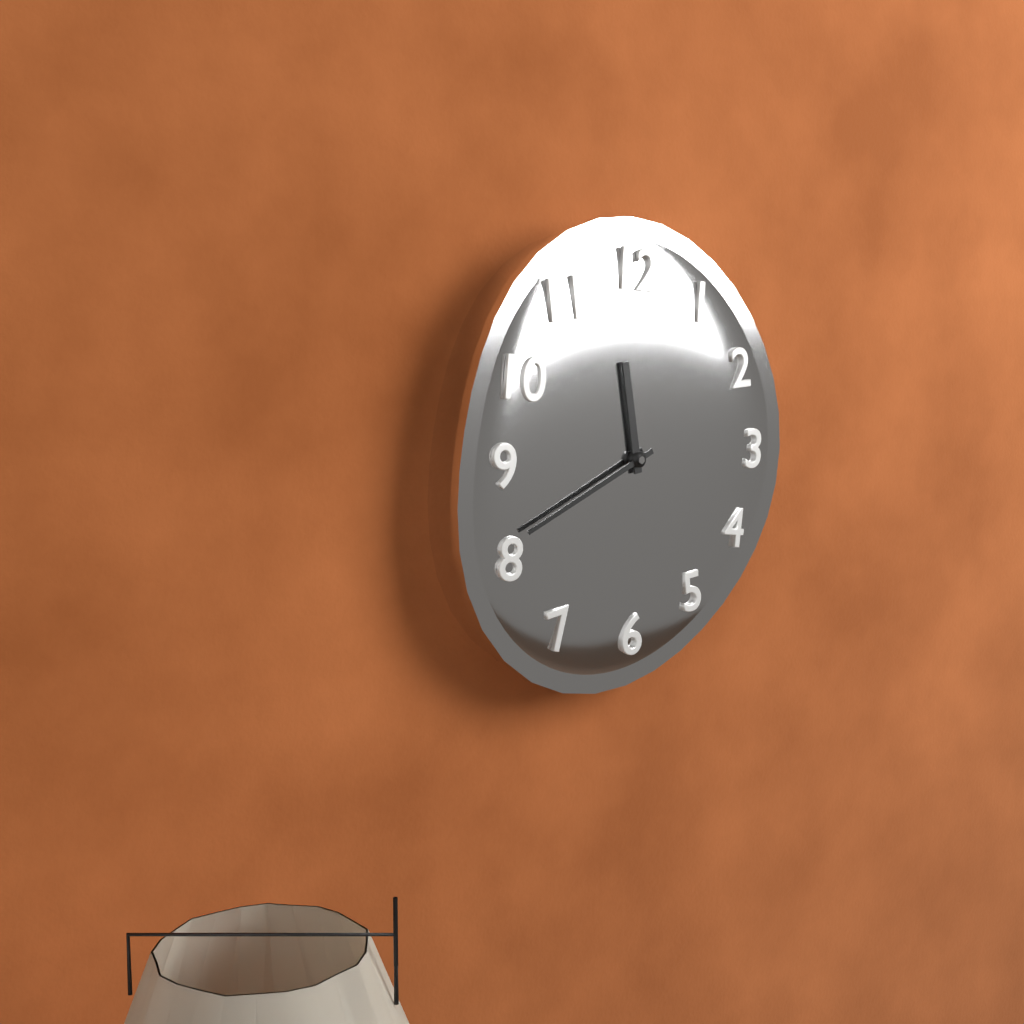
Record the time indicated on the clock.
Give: 11:41
